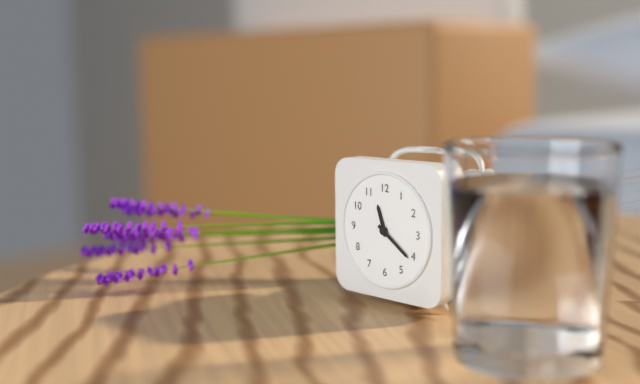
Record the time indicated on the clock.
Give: 11:21
